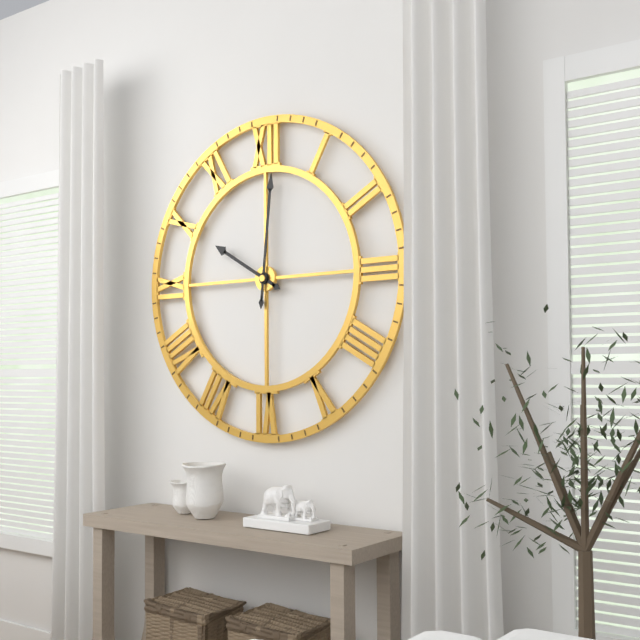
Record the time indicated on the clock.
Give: 10:01
